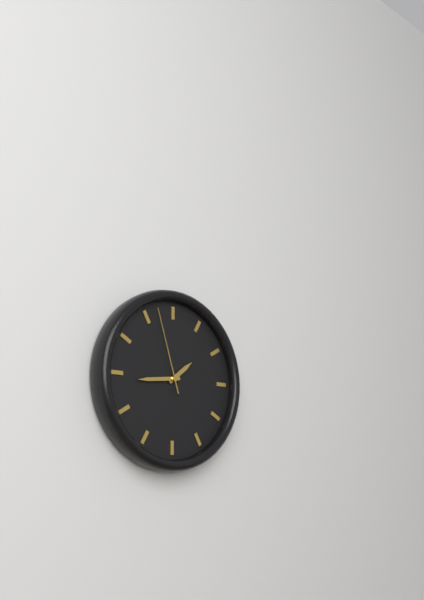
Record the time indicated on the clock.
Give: 1:44:57
